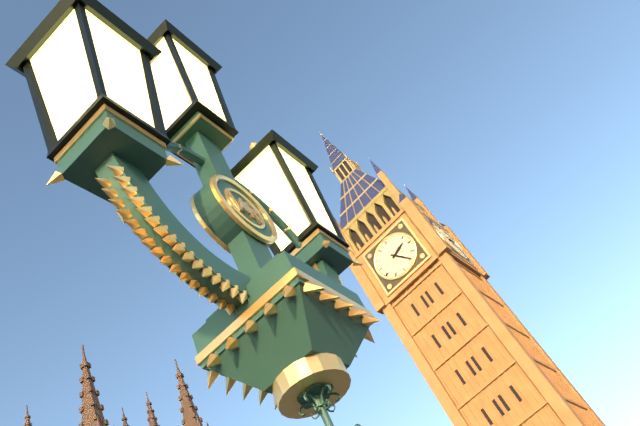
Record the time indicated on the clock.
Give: 2:24
